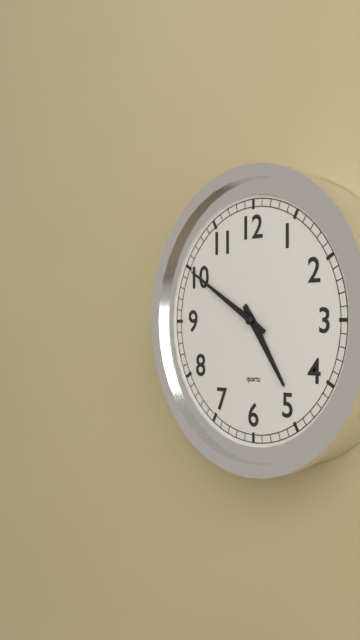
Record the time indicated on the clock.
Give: 4:50
